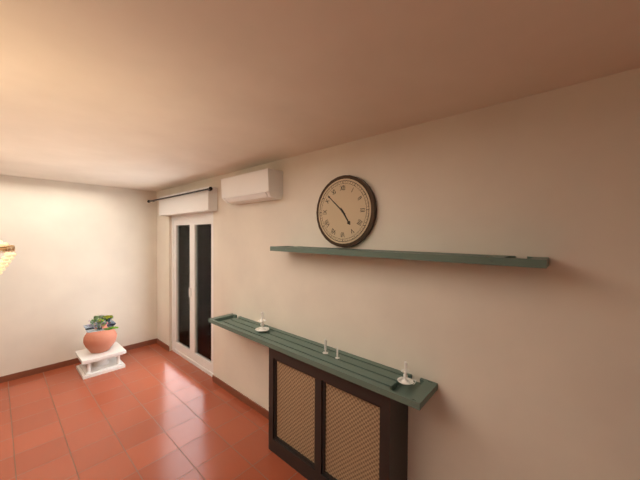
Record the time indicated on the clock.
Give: 4:52
